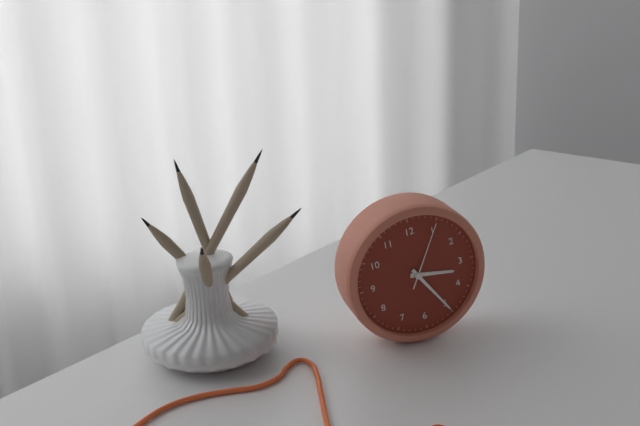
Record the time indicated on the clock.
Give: 3:25:05
